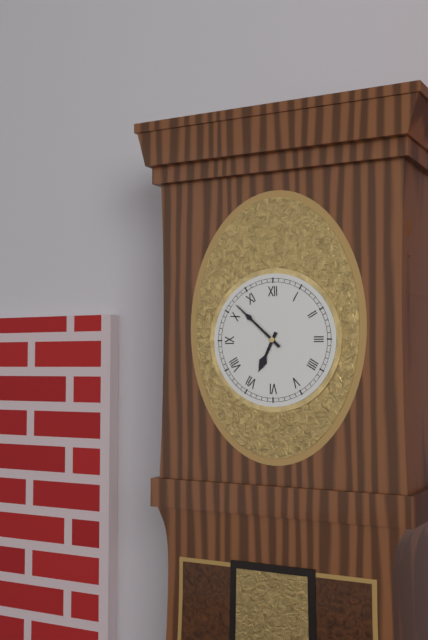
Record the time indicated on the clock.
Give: 6:52
